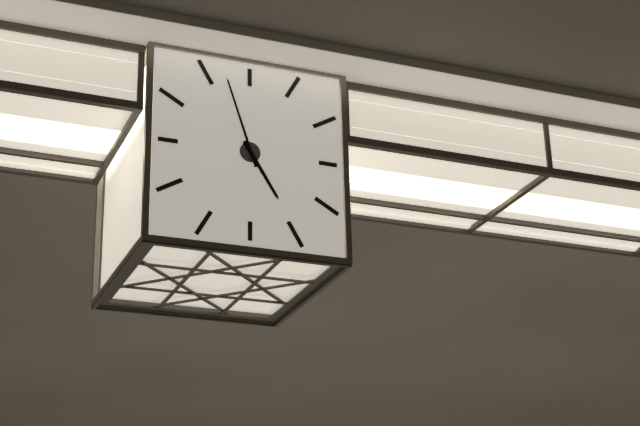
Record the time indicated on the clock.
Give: 4:57
